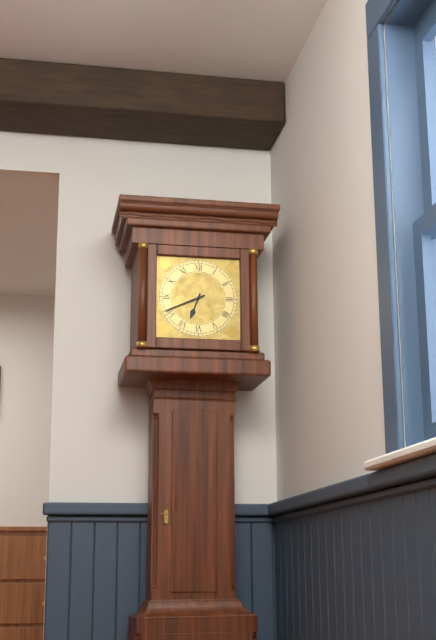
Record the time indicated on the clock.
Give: 6:41
